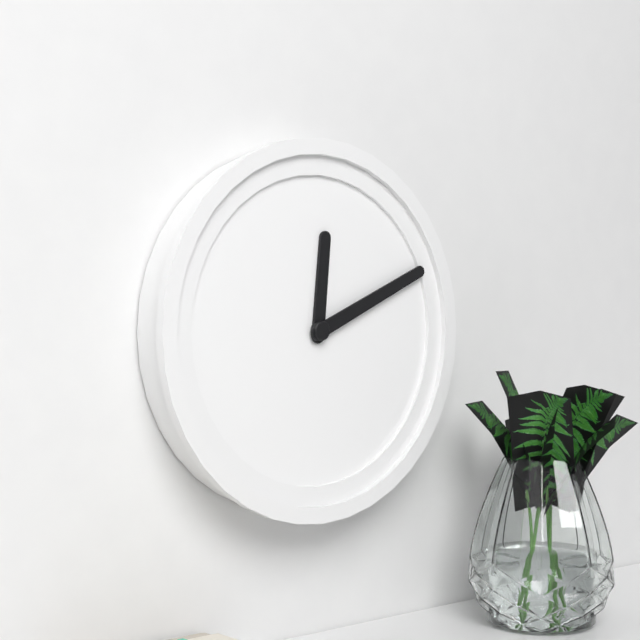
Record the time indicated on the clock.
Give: 12:11
